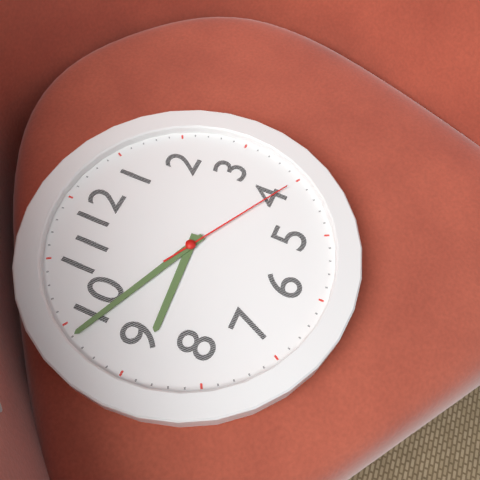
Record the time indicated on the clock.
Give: 8:49:20
